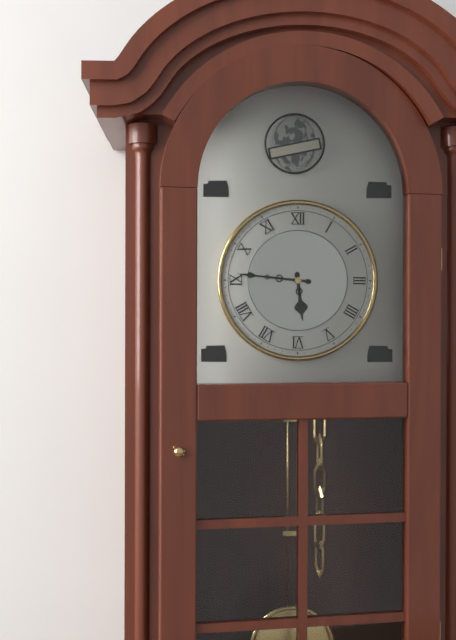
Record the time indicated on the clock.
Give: 5:46
